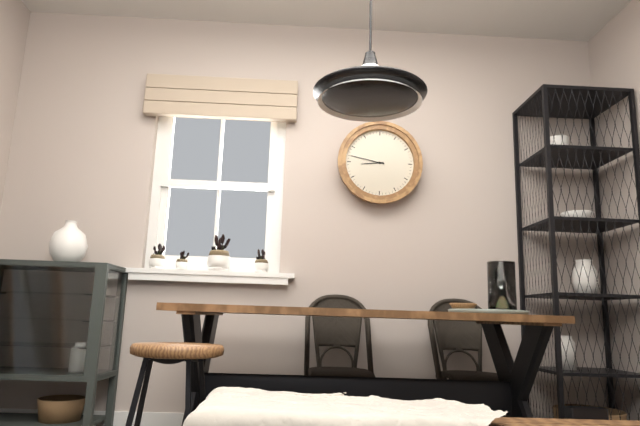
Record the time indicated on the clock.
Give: 8:47
